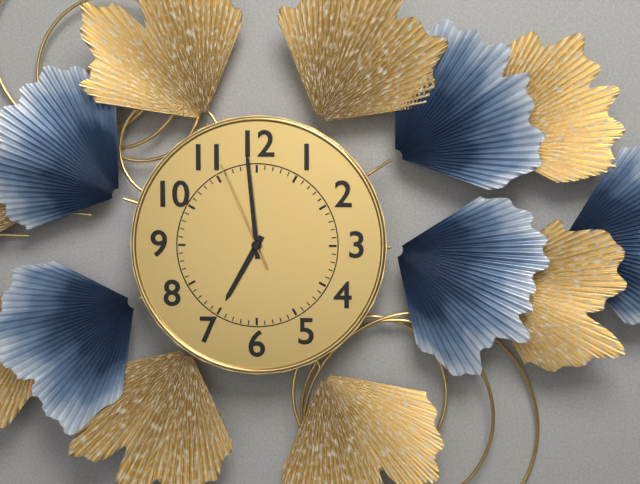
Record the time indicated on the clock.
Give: 6:59:56
